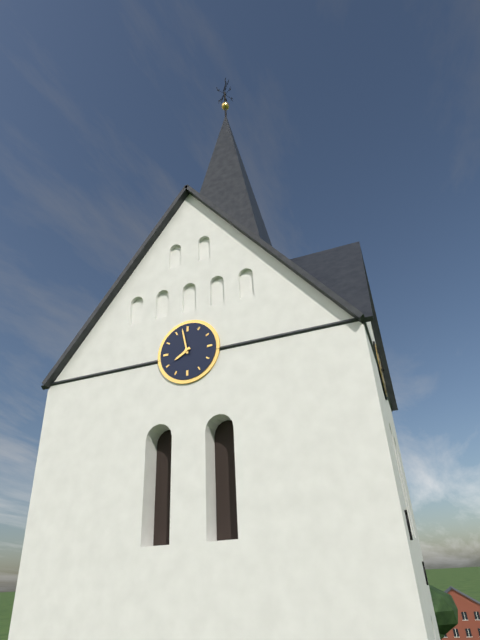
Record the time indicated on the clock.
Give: 7:58
